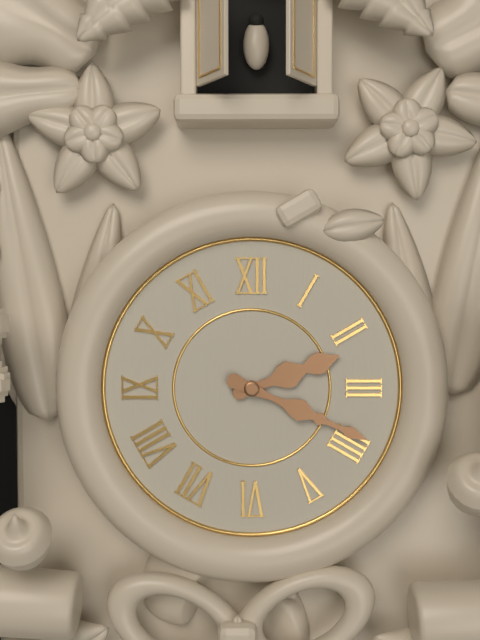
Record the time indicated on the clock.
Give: 2:19
